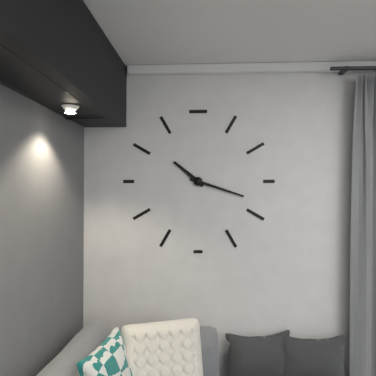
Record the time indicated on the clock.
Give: 10:18
